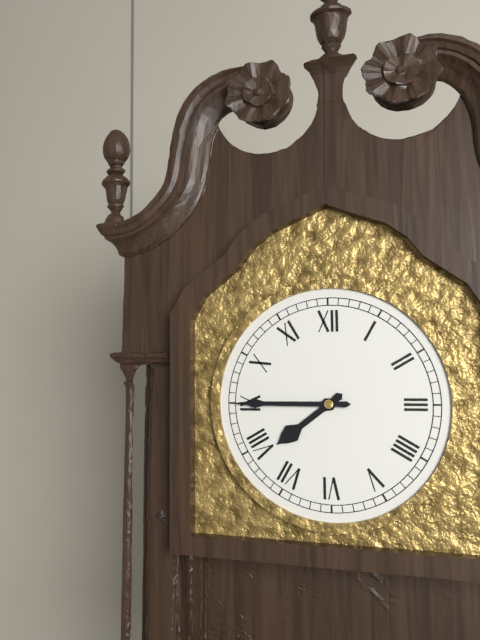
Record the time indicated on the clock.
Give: 7:45
